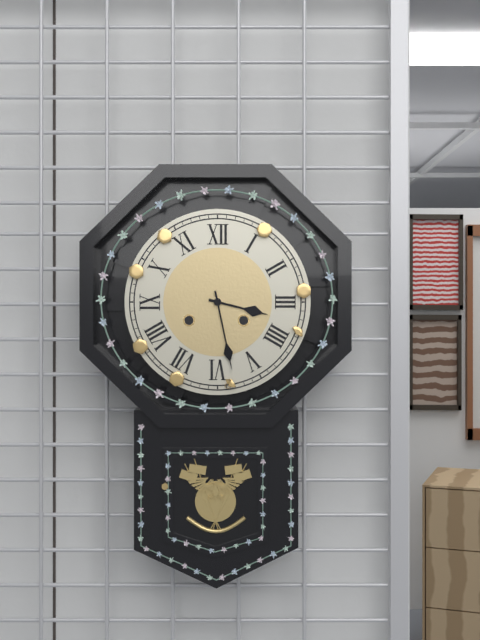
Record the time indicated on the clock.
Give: 3:28
